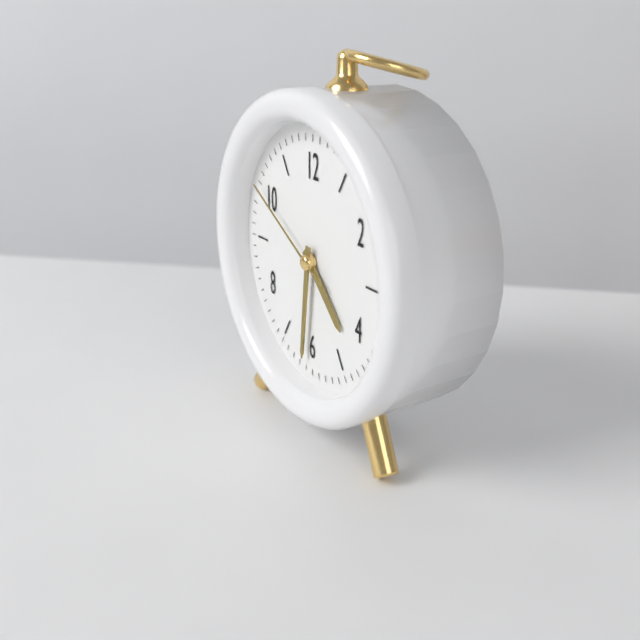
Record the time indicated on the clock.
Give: 4:31:50
